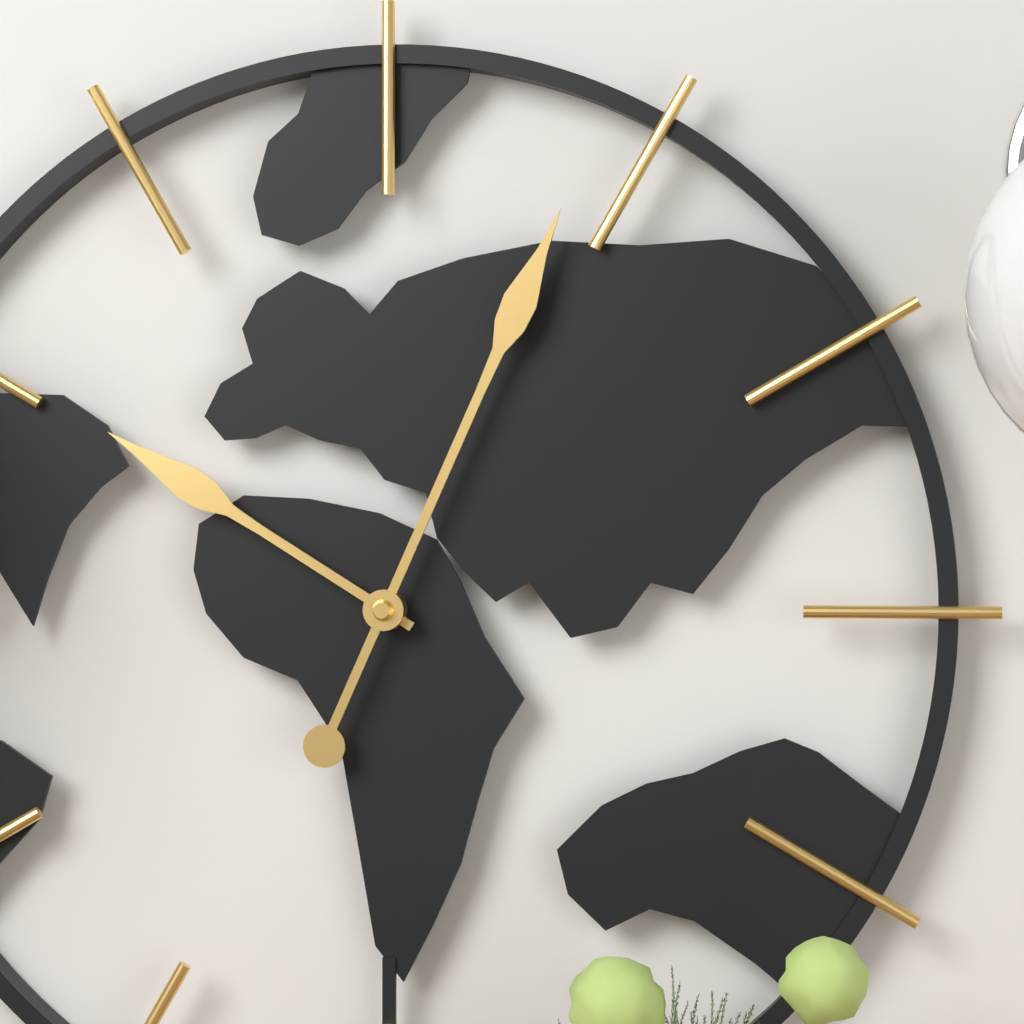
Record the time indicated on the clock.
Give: 10:04
